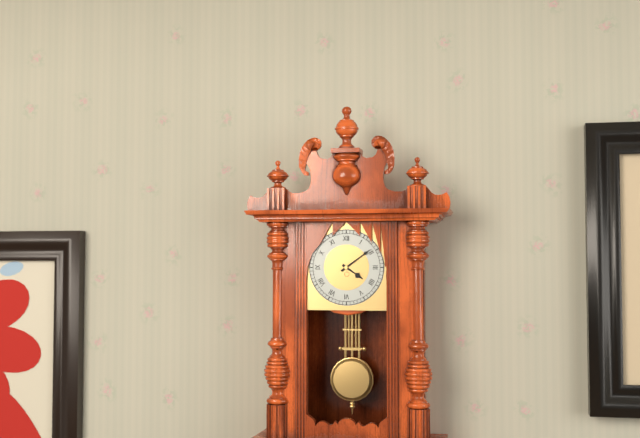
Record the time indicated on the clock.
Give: 4:09
